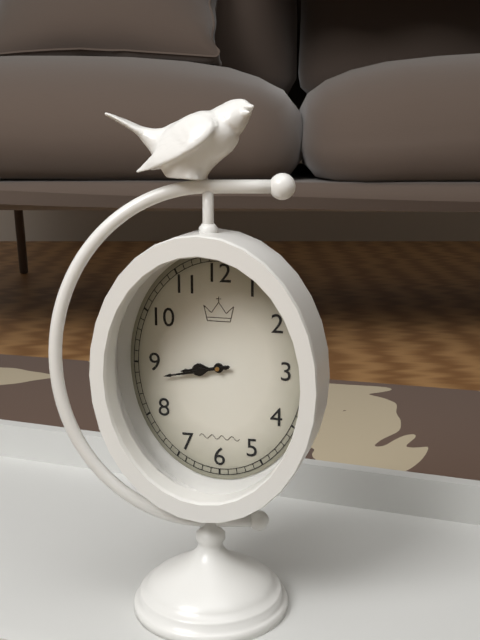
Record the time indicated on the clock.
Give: 8:43
